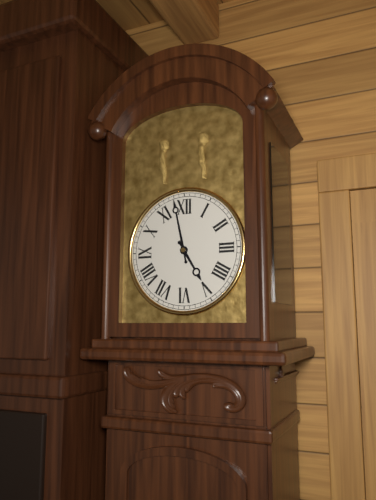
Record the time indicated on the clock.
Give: 4:58
